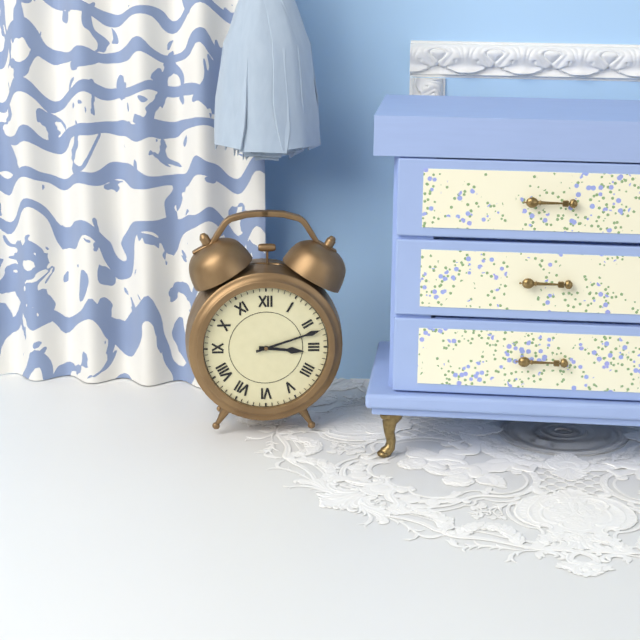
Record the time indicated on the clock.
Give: 3:12
